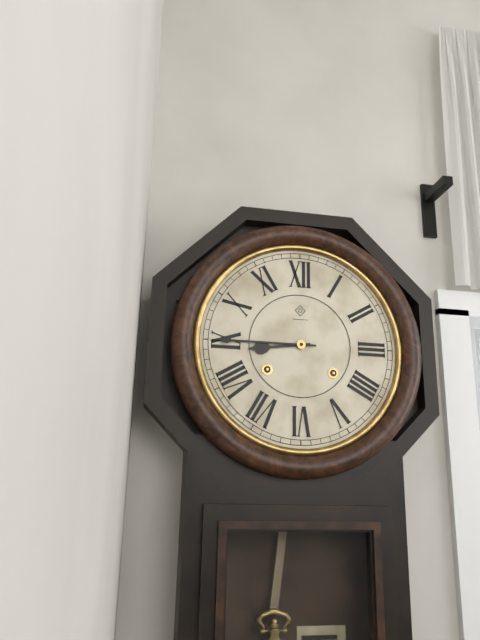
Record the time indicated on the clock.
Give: 8:45
